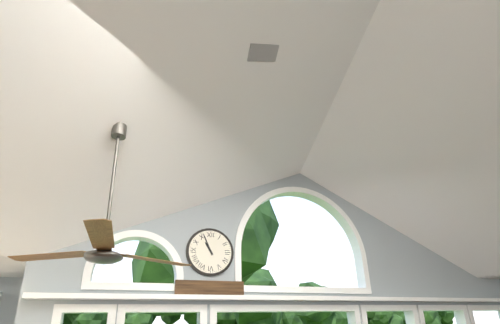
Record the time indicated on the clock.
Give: 10:56
